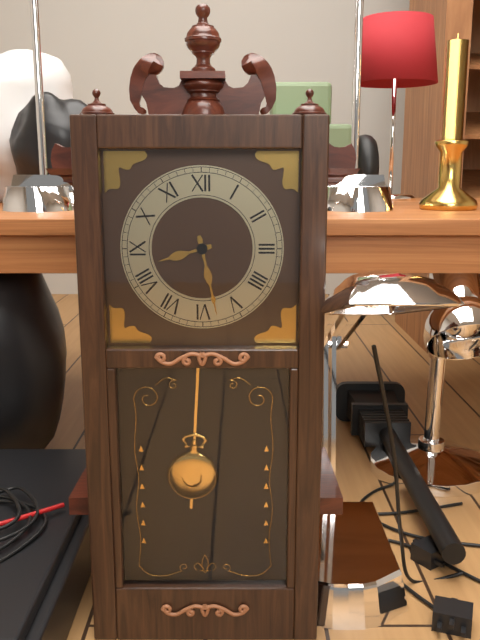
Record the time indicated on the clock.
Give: 8:28
